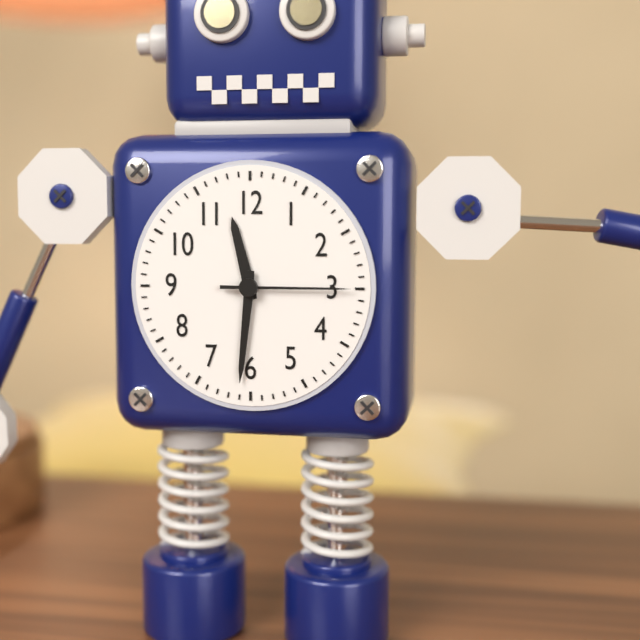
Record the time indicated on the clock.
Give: 11:31:15
